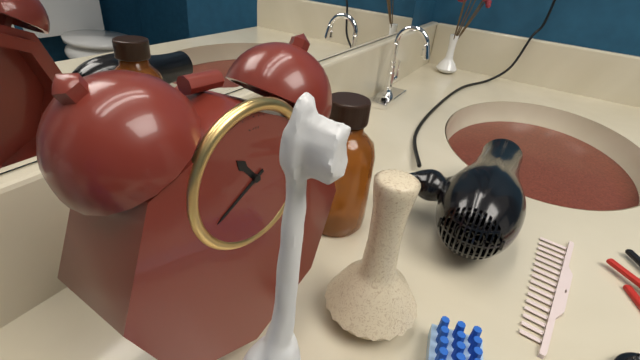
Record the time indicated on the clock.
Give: 10:40
